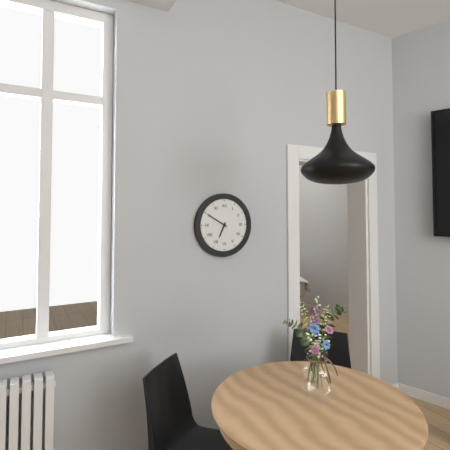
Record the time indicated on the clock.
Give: 6:50
